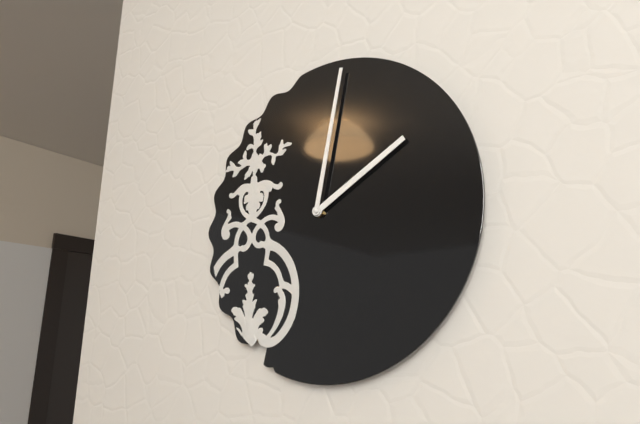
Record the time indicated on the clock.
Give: 2:02
